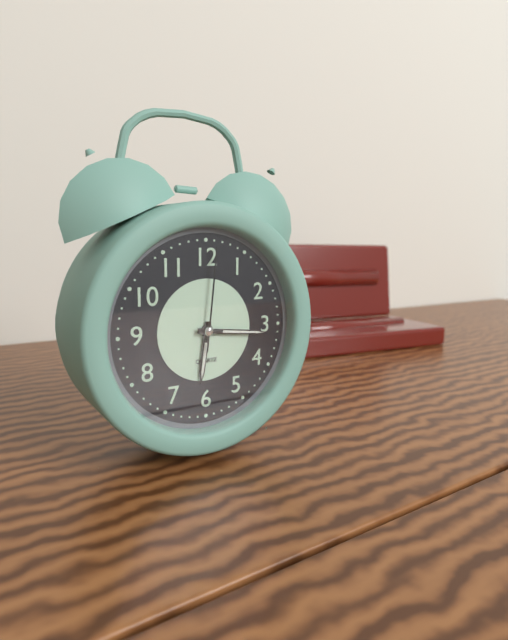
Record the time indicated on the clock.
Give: 6:16:01
